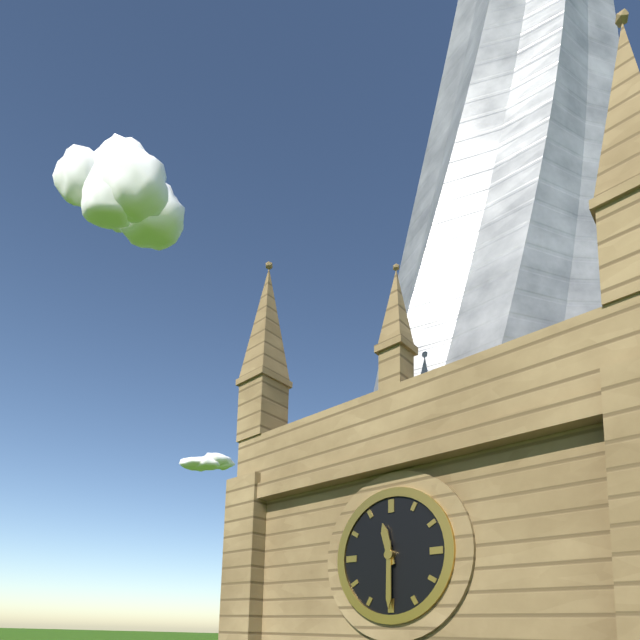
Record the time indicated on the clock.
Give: 11:30
